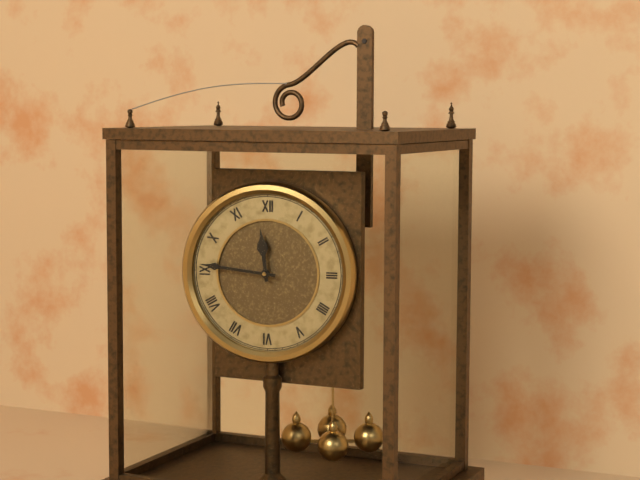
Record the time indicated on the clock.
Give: 11:46
